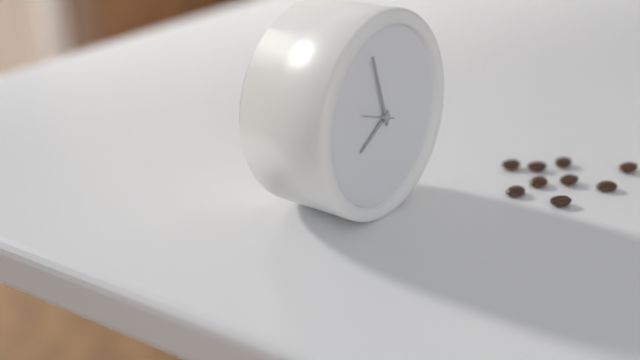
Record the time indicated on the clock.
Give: 7:57
